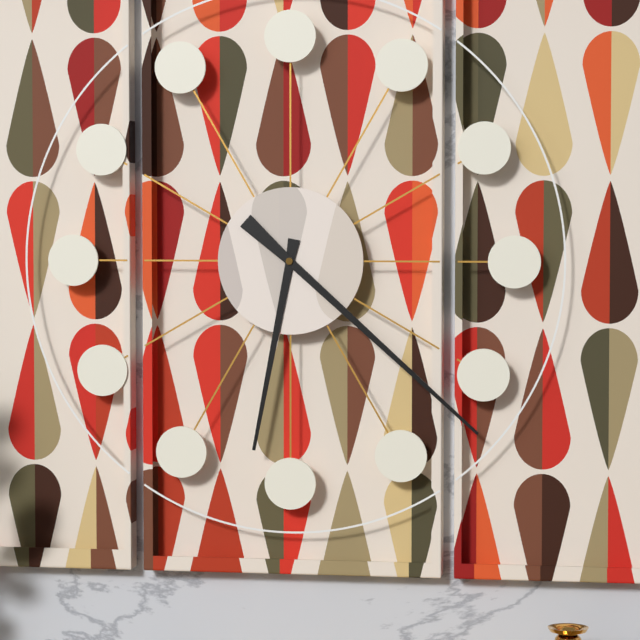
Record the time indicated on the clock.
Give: 6:22
